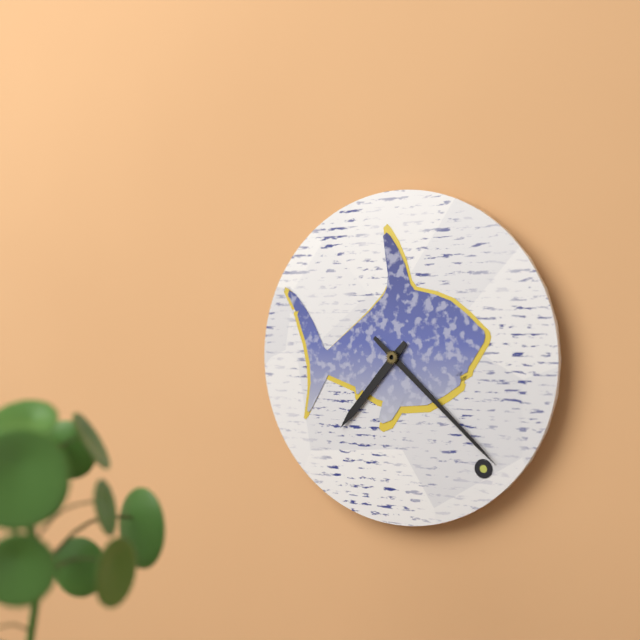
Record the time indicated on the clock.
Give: 7:22
